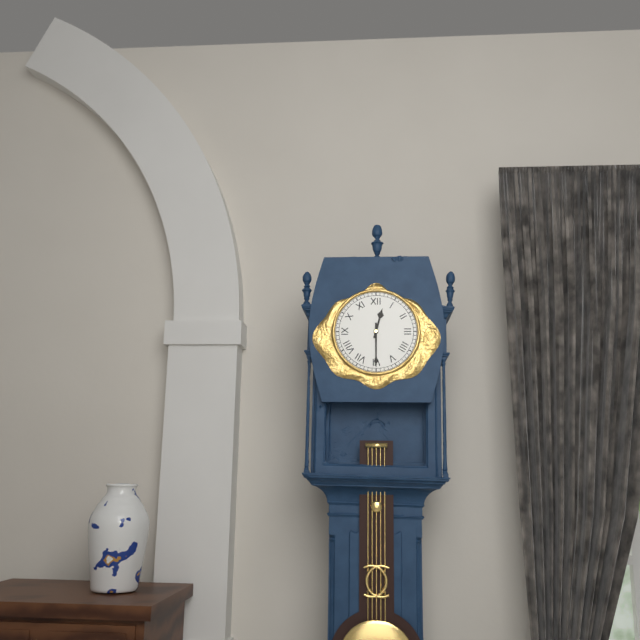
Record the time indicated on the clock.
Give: 12:30
